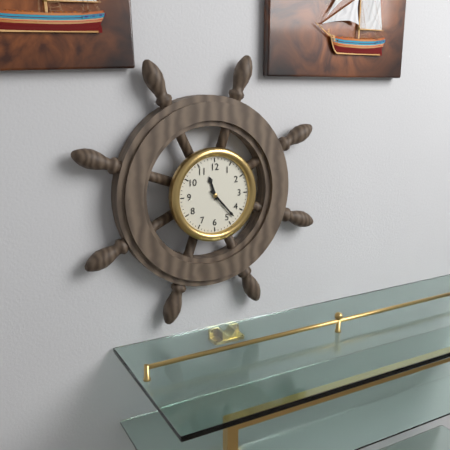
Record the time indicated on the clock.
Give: 11:23
